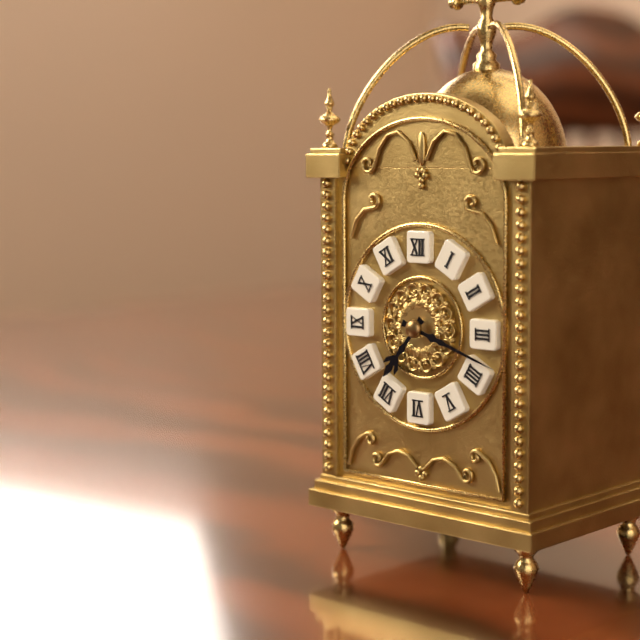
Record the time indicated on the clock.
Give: 7:18
